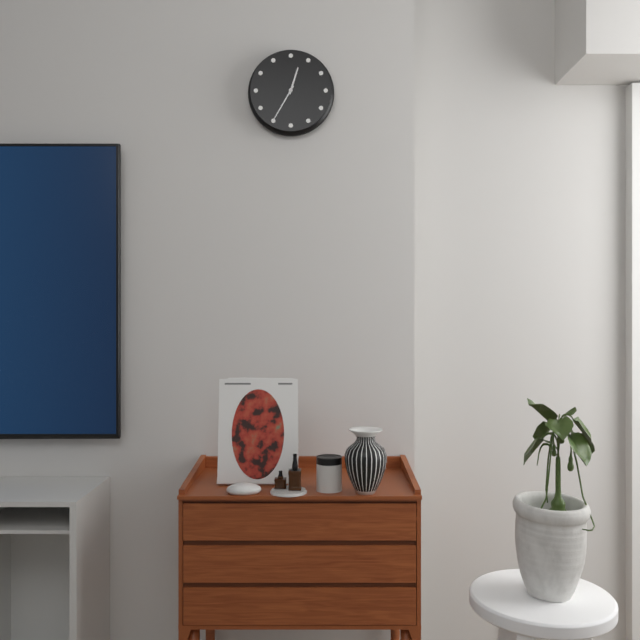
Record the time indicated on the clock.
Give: 12:35
